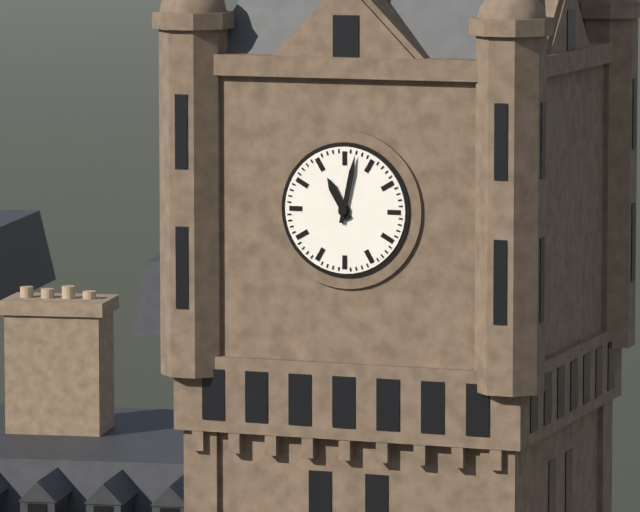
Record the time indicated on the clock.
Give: 11:02
